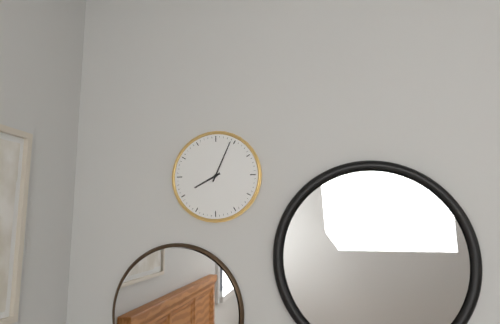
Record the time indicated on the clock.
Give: 8:04
